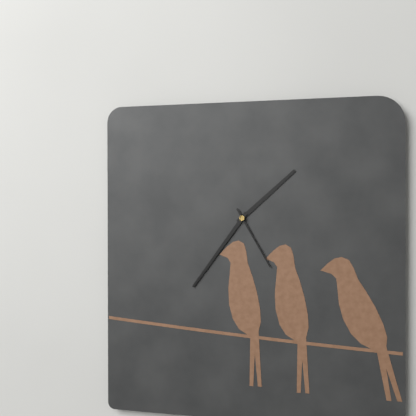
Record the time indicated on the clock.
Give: 1:36:25
